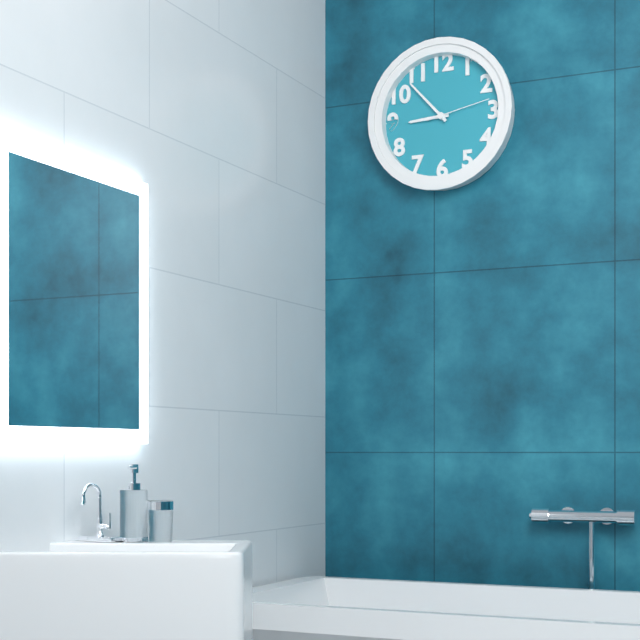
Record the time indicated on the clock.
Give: 8:53:13
